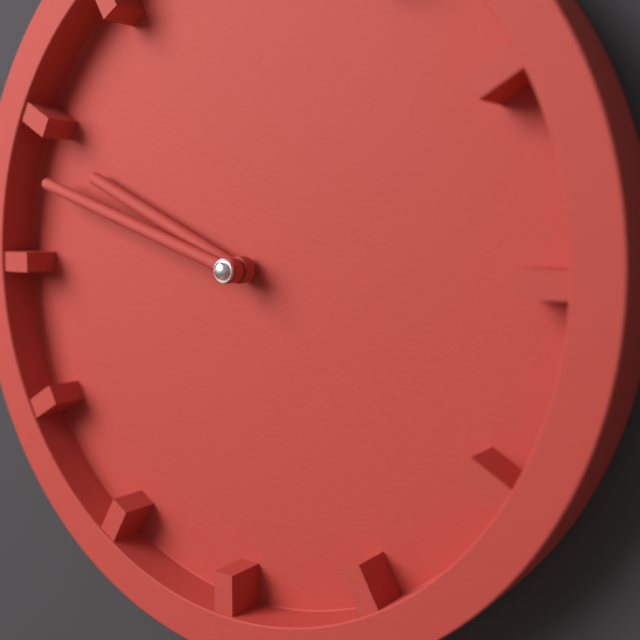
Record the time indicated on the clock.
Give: 9:48
